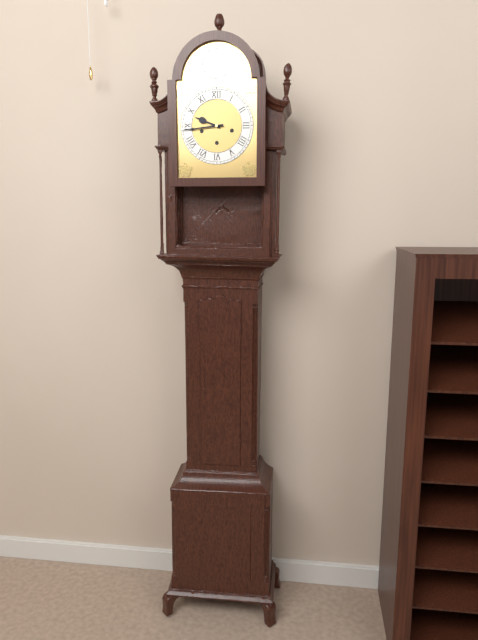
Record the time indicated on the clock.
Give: 9:44
